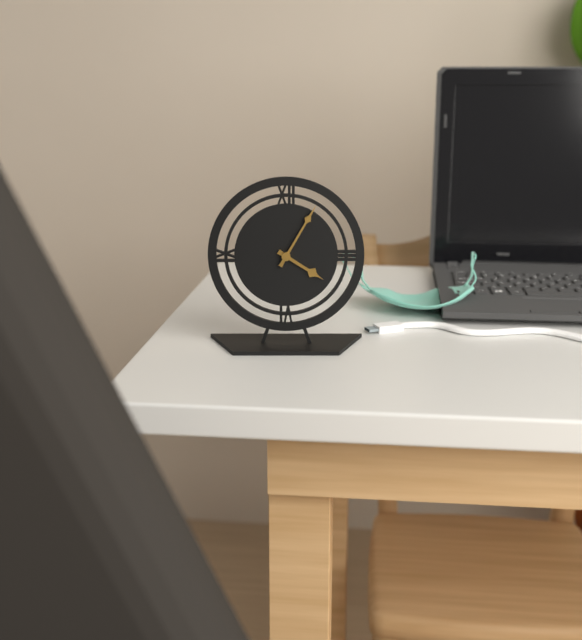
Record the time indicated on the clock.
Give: 4:05
